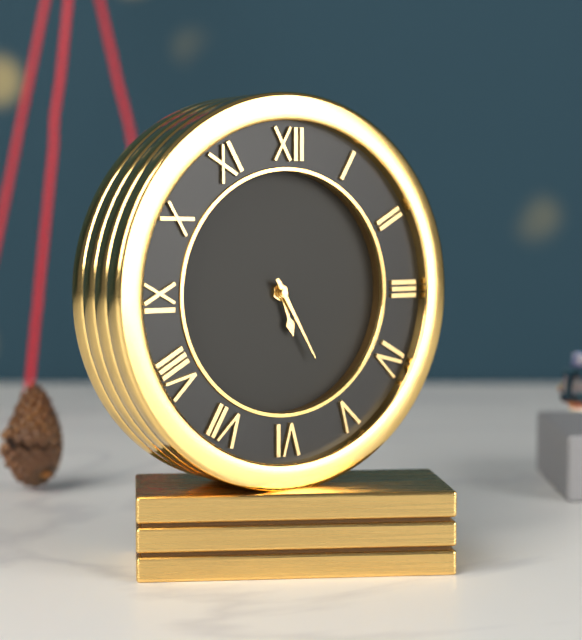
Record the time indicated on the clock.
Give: 5:25
